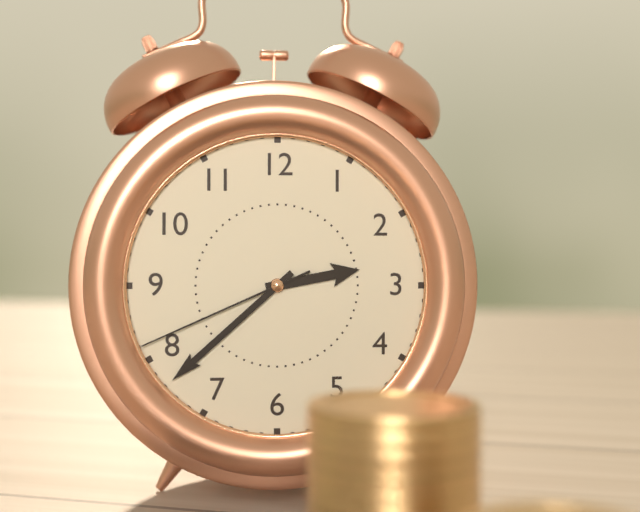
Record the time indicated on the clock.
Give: 2:38:41
